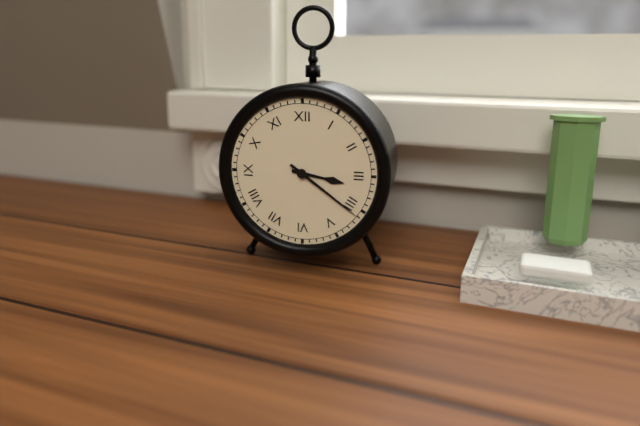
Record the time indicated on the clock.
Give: 3:21
